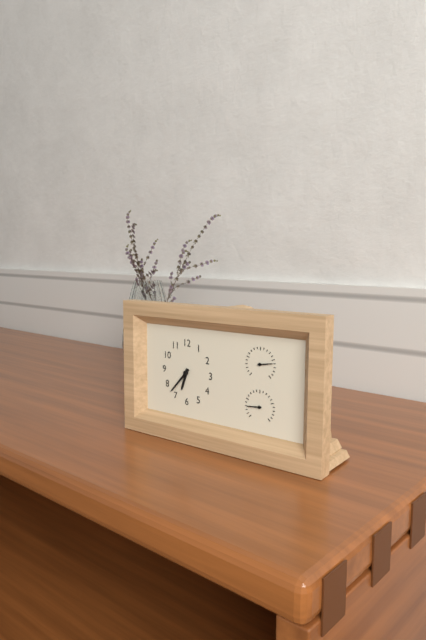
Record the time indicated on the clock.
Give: 6:37
